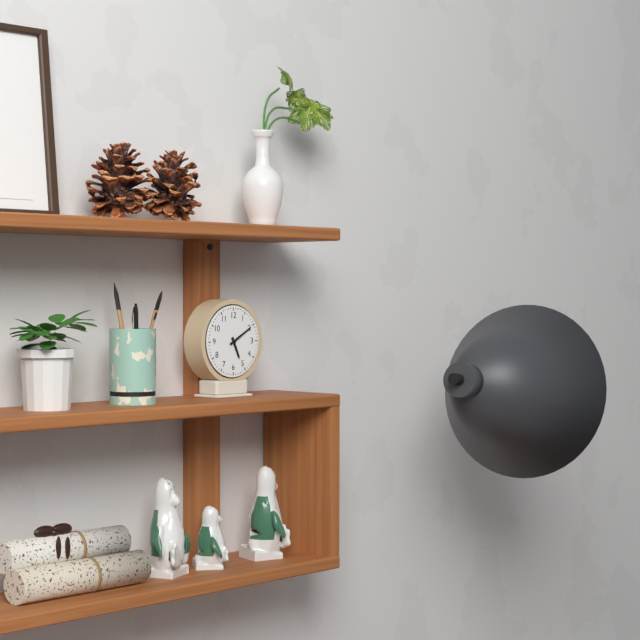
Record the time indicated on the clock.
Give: 5:10
